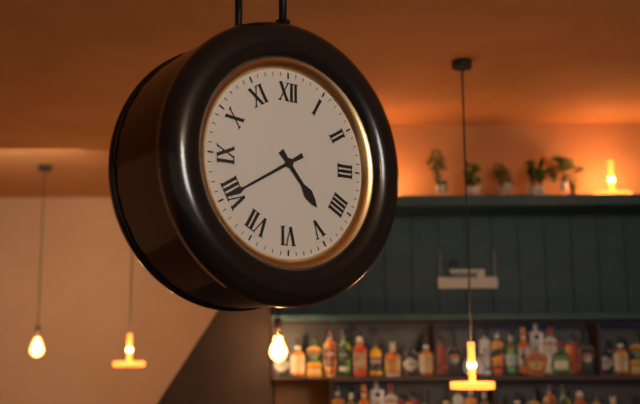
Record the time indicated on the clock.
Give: 4:40
